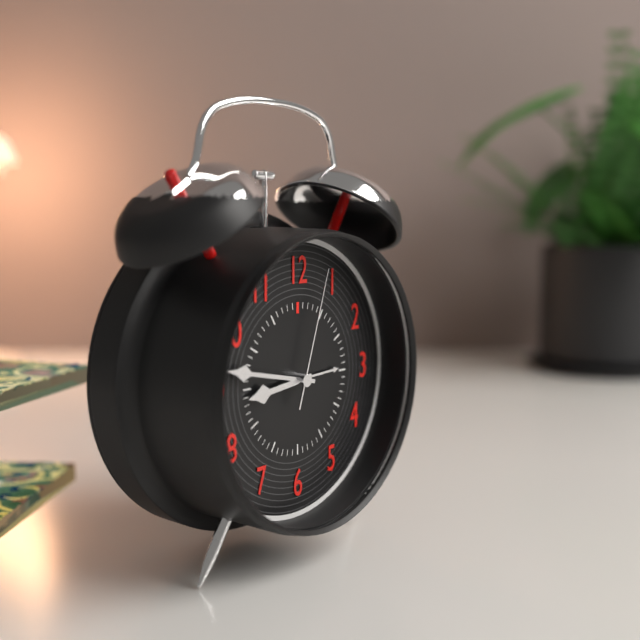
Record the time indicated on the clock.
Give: 8:47:03
